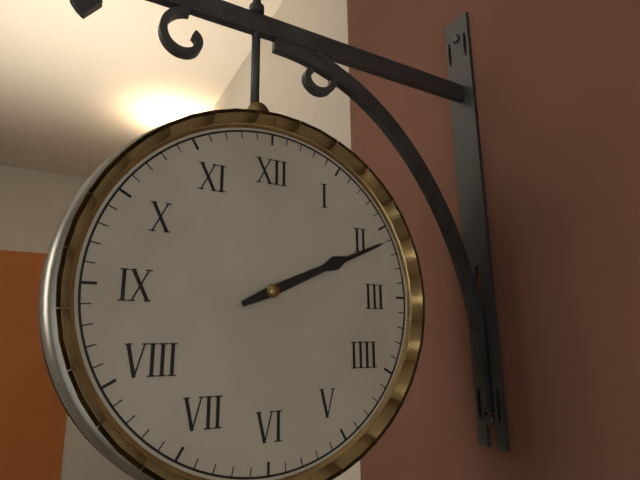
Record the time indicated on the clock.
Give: 2:11
